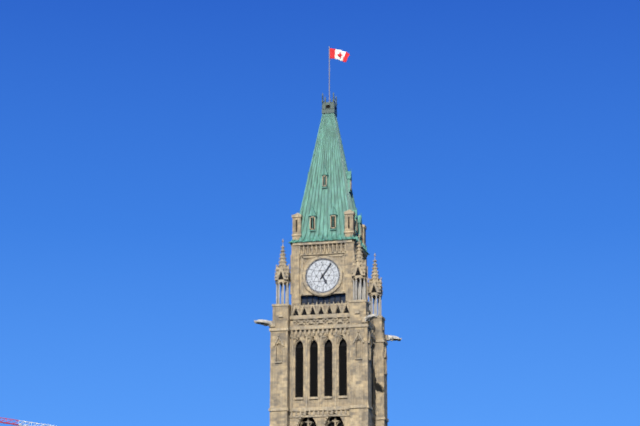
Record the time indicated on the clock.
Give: 5:06
